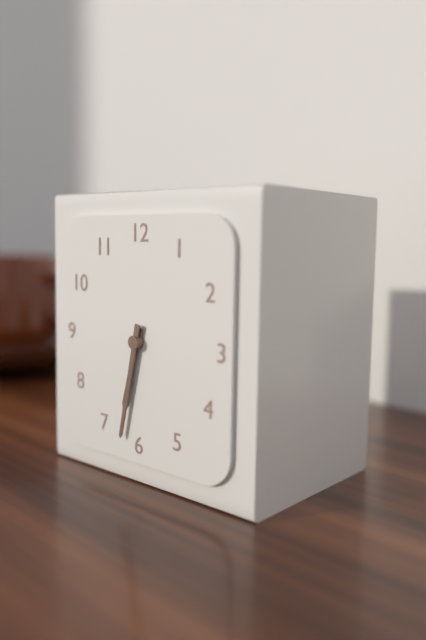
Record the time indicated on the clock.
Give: 6:32
